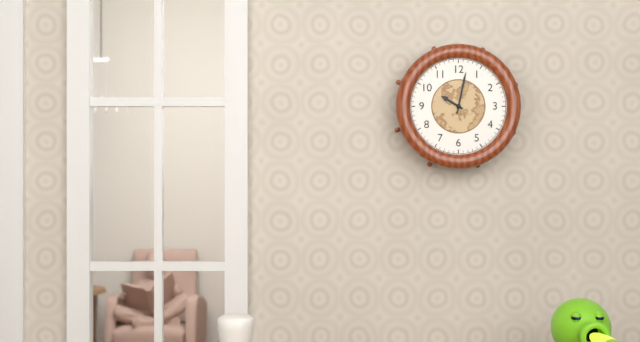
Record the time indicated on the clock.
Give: 10:02
